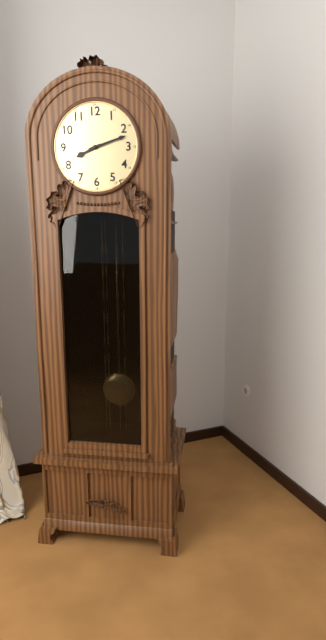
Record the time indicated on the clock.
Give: 8:12
